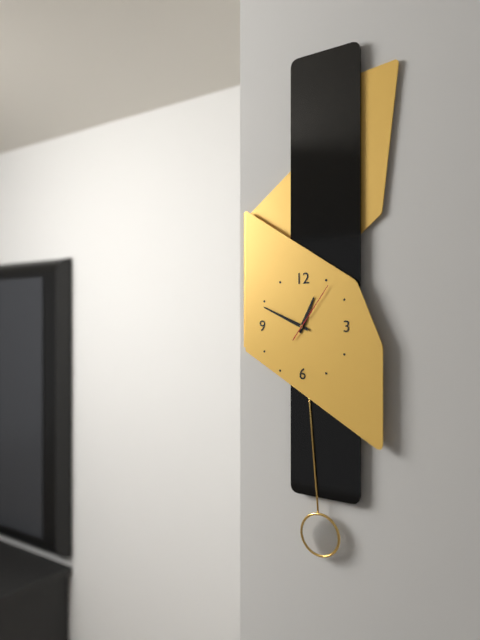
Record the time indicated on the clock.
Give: 12:49:06
